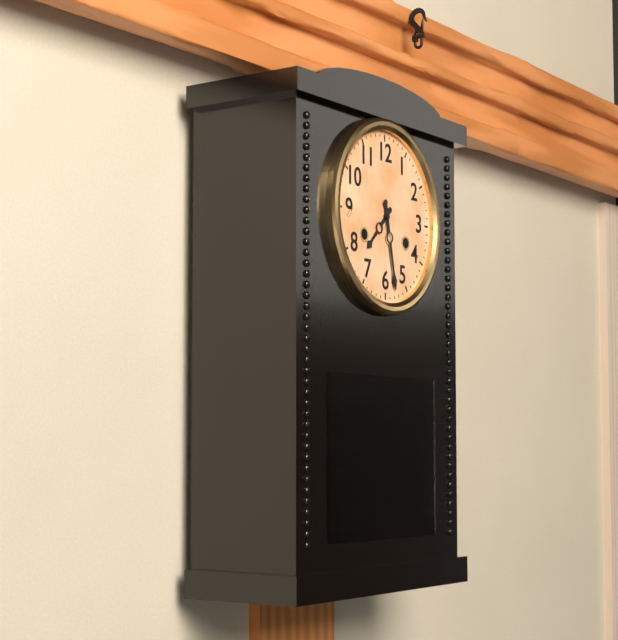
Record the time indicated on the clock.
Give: 7:28
